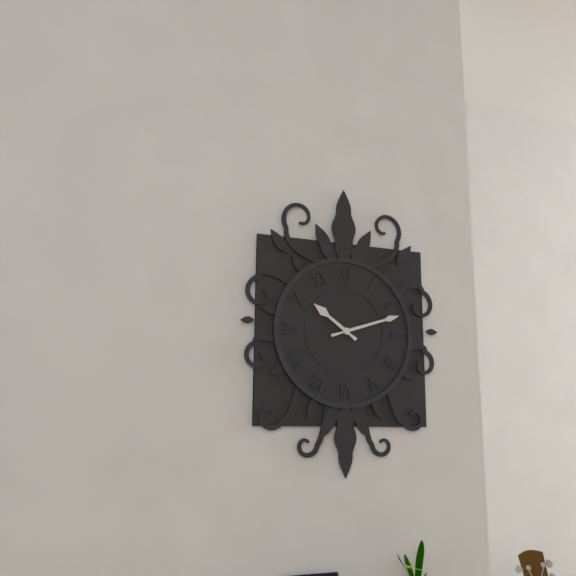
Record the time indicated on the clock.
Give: 10:12
